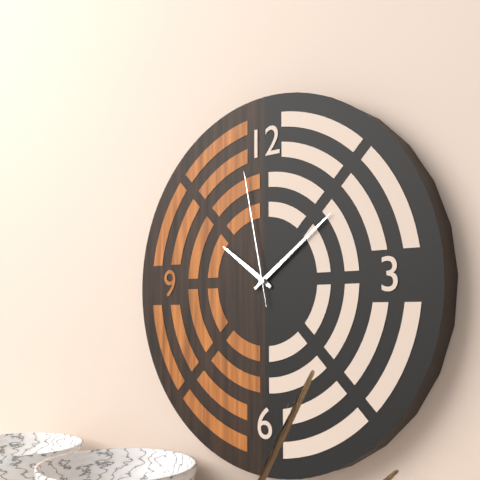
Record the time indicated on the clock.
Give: 10:09:58
